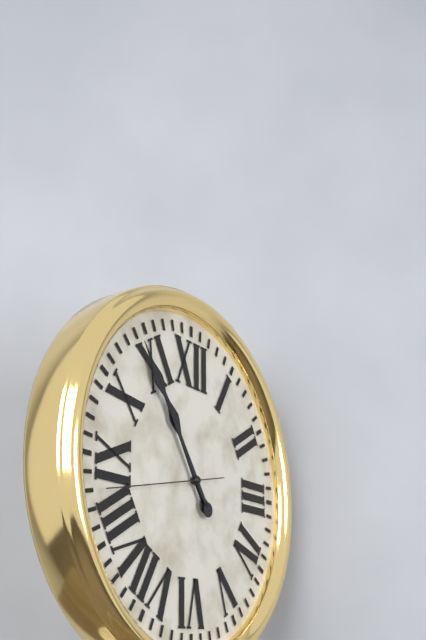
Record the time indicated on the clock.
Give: 10:54:43
